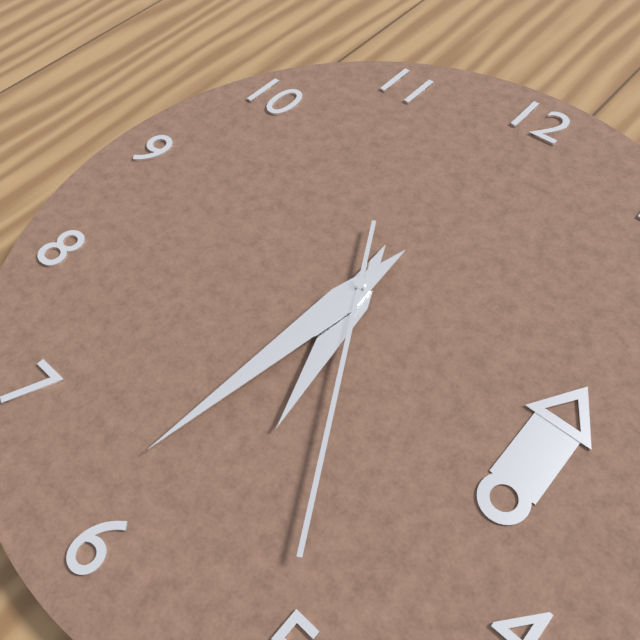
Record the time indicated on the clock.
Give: 5:31:25
